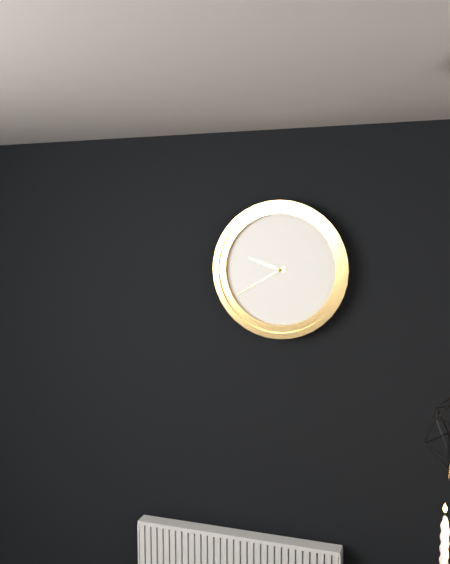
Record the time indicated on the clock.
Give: 9:40
